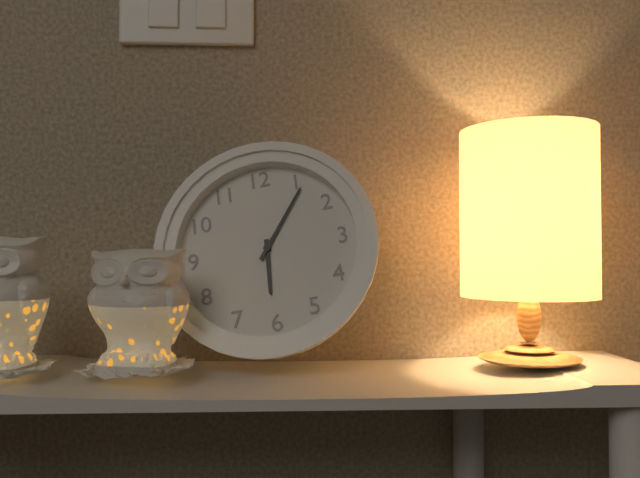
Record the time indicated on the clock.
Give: 6:06
